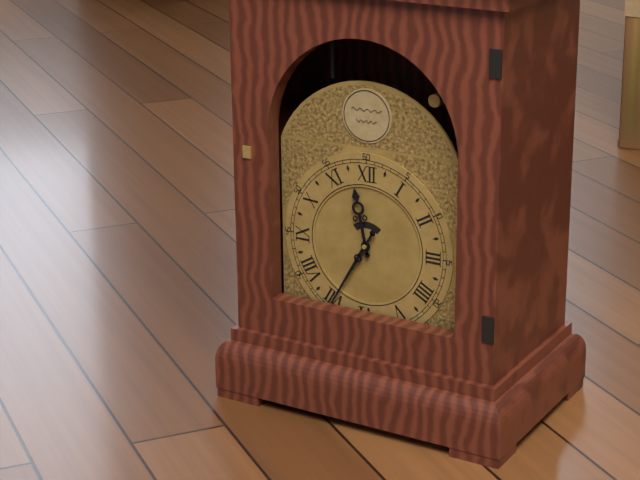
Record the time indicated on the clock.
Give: 11:35
